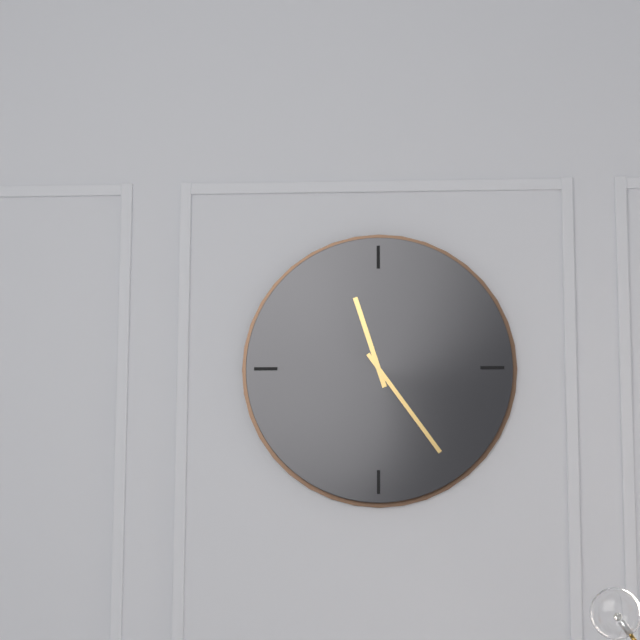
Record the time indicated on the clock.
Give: 11:24
